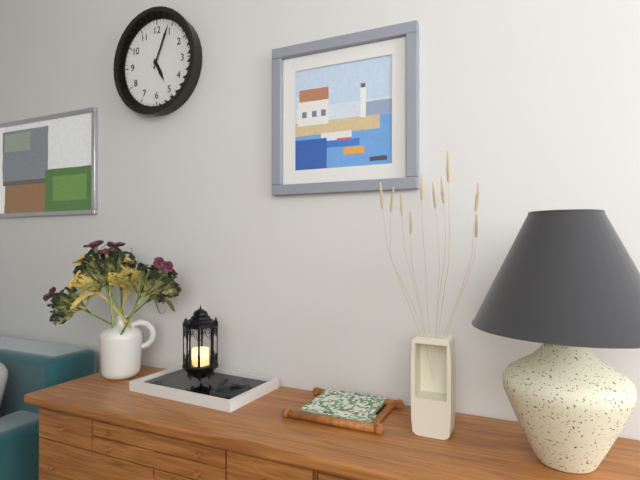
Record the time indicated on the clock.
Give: 5:04
